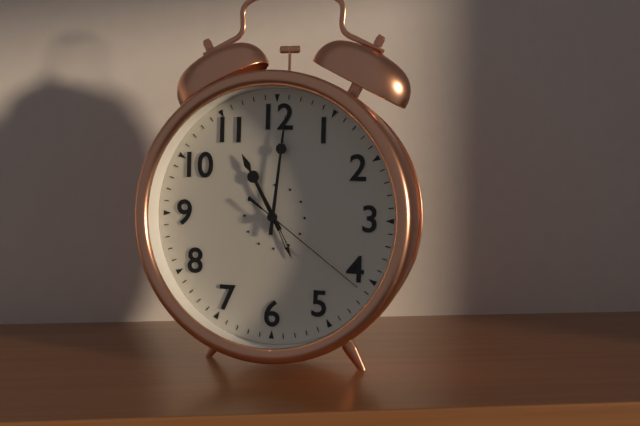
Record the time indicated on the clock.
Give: 11:01:21
